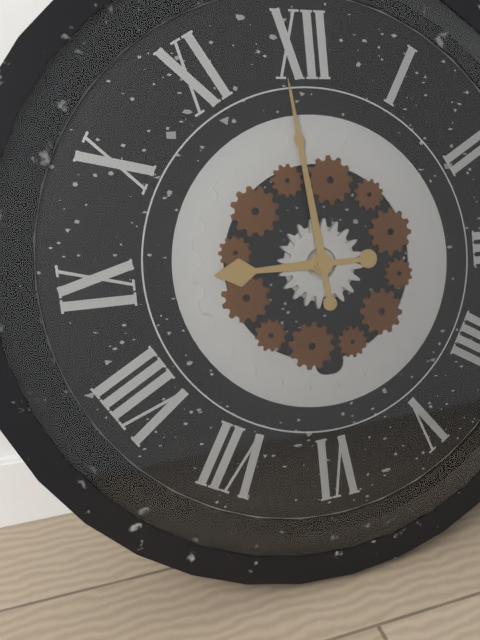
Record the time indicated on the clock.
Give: 8:59
